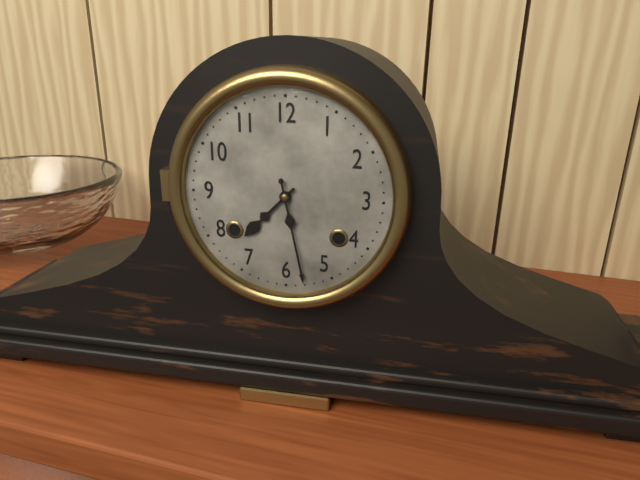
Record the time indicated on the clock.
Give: 7:28
